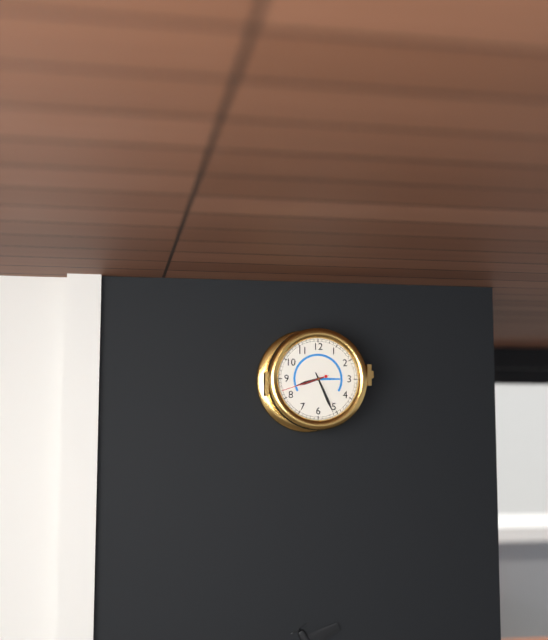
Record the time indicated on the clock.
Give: 8:26
